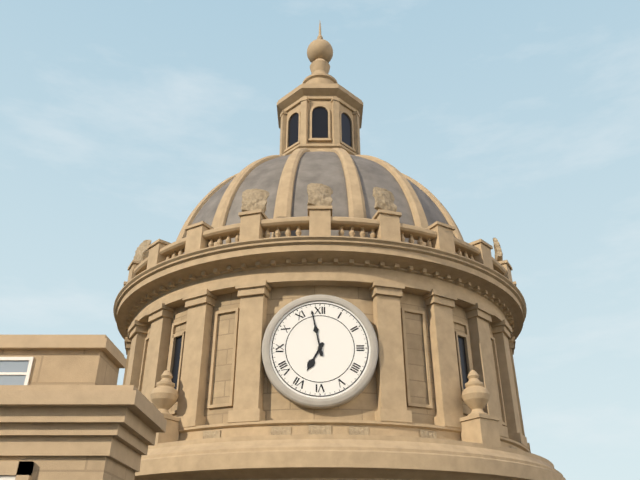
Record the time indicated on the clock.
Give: 6:58
